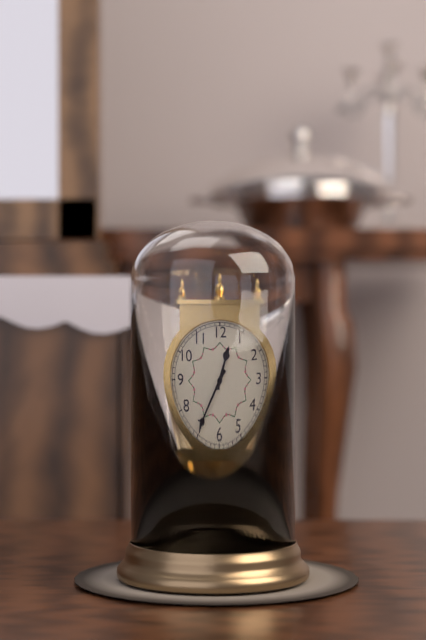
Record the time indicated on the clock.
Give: 12:35
